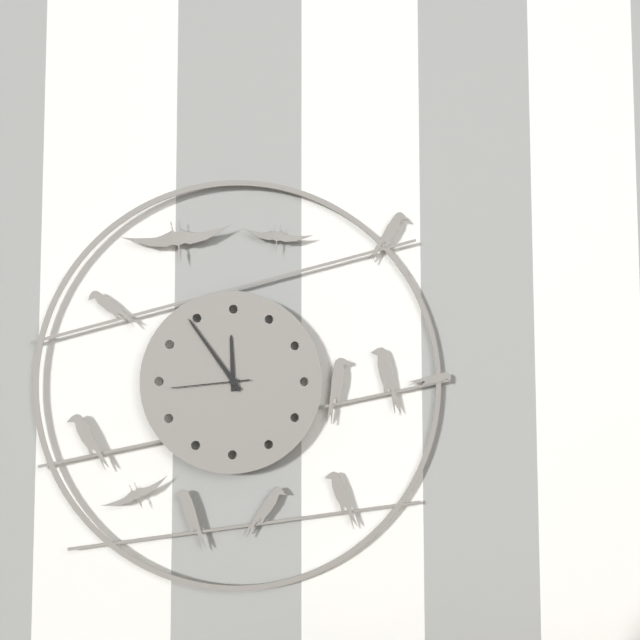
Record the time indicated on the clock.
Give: 11:54:44
